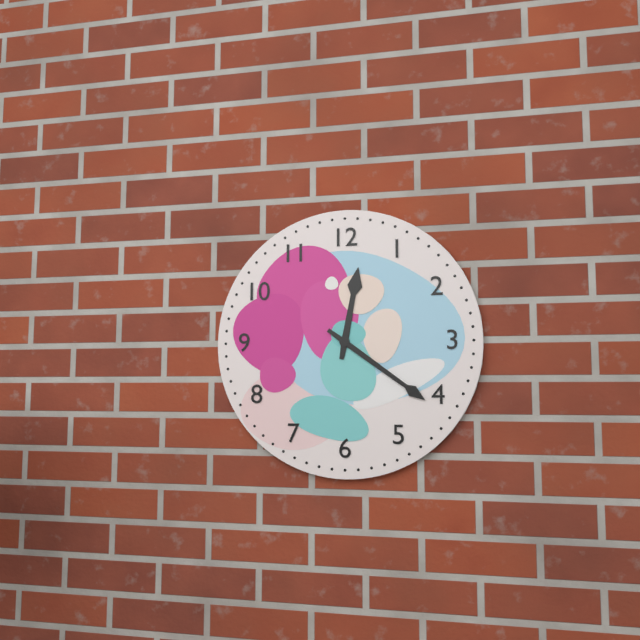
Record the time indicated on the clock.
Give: 12:21
